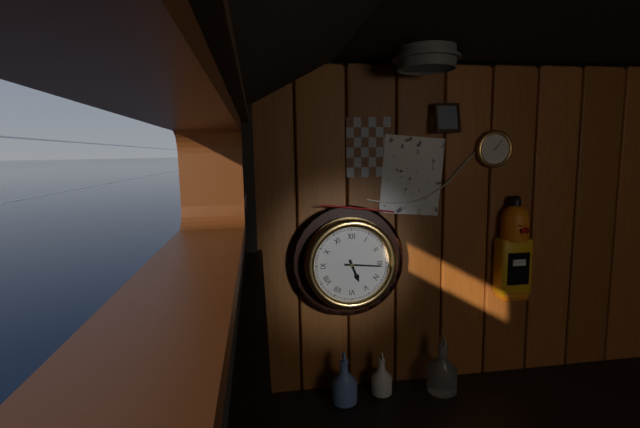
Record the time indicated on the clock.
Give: 5:16
